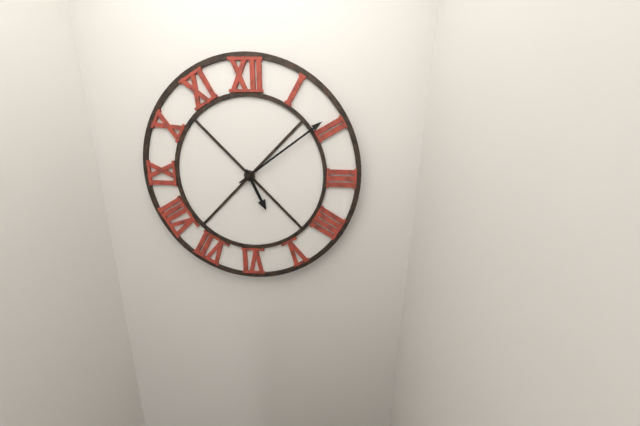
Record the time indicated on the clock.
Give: 5:09
